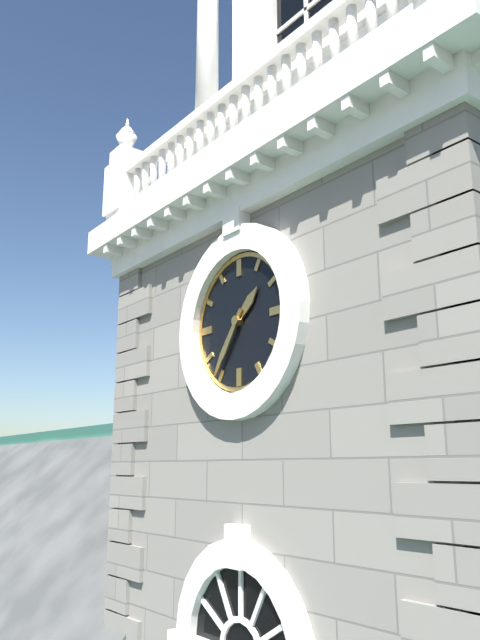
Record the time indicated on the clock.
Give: 1:36
